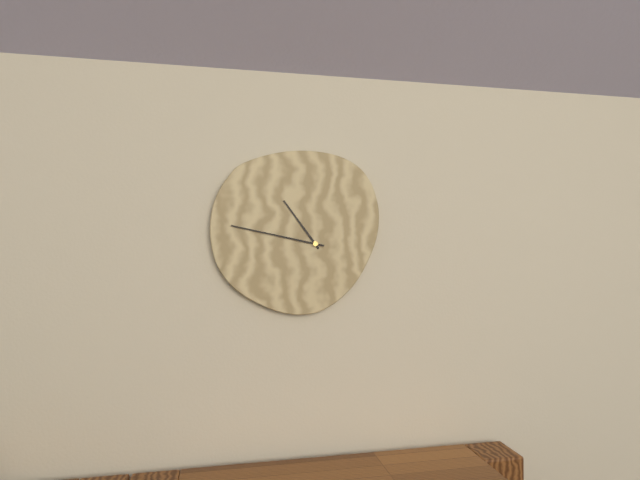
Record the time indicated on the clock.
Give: 10:47
